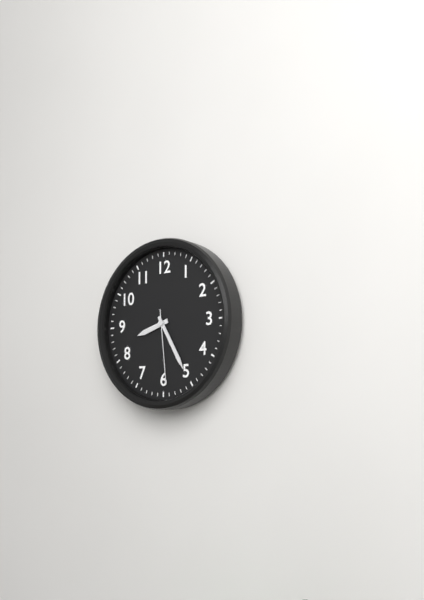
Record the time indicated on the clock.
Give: 8:25:29
